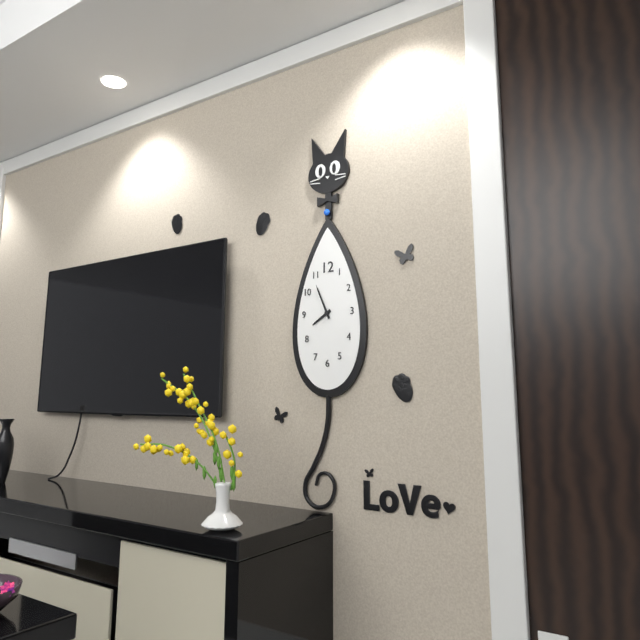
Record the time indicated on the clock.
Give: 7:56
